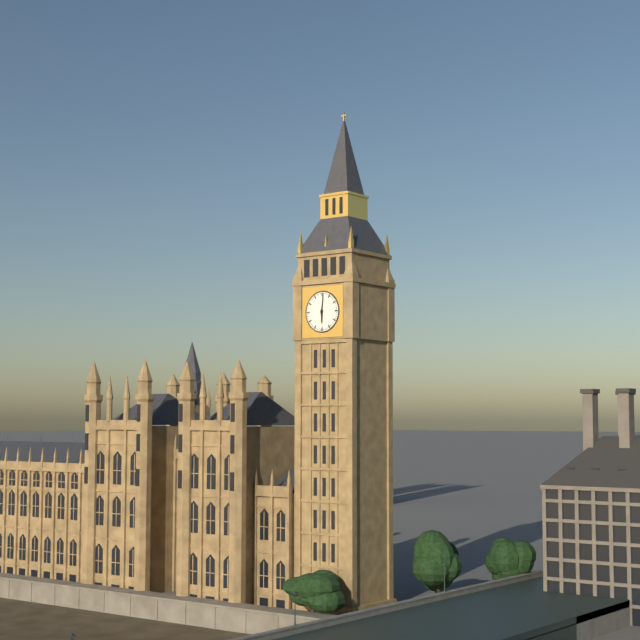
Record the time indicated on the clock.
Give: 6:01
